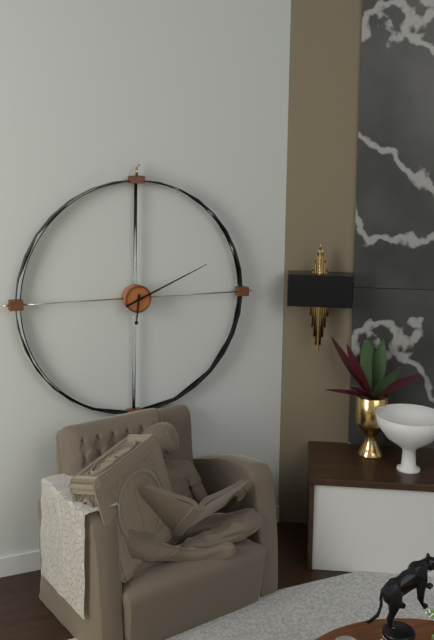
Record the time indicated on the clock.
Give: 6:11
